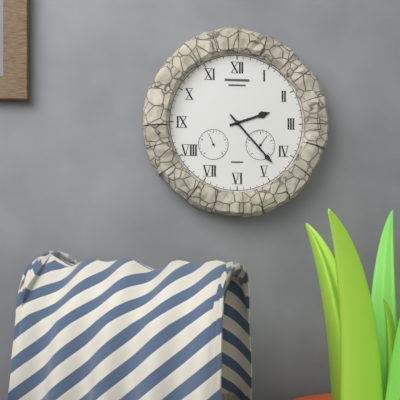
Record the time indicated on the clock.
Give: 2:23
